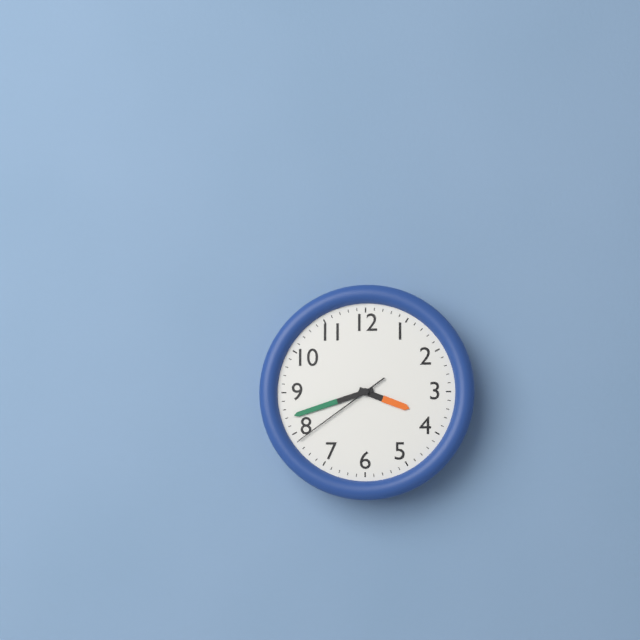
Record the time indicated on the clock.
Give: 3:42:39
